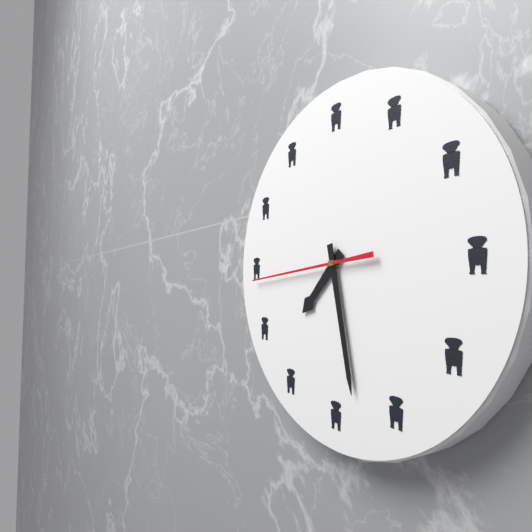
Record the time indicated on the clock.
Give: 7:28:44
